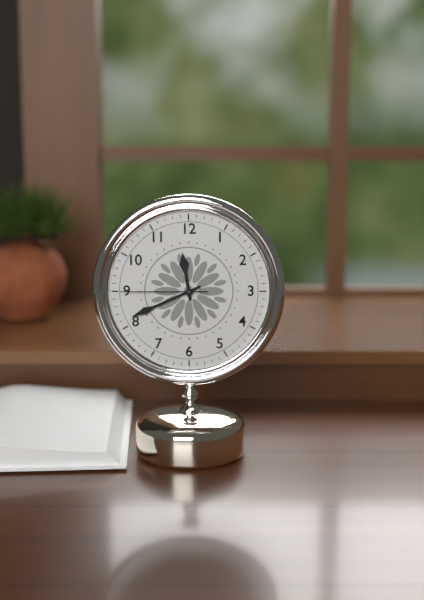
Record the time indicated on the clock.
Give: 11:41:45
